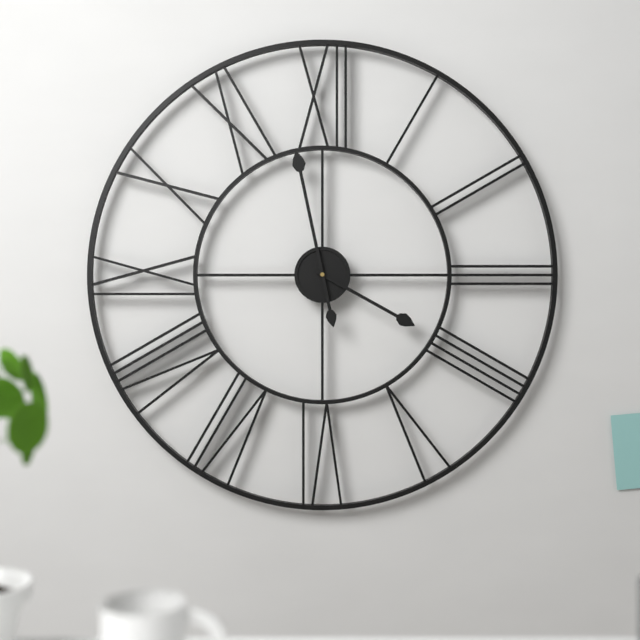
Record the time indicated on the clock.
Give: 3:58
